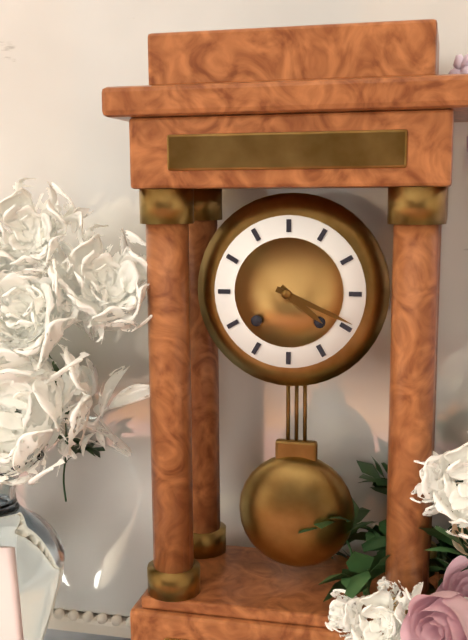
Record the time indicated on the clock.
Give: 4:19
